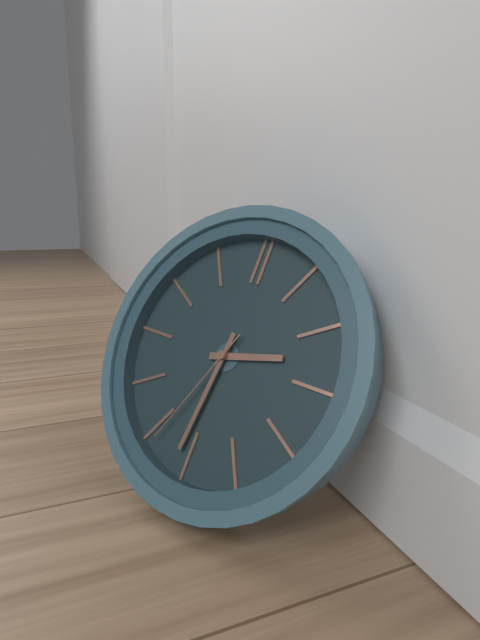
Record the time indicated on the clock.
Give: 2:31:34
